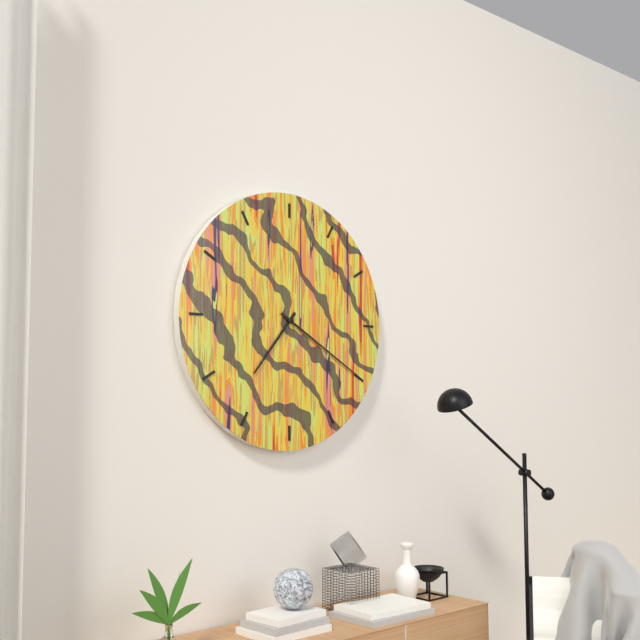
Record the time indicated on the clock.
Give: 7:20
